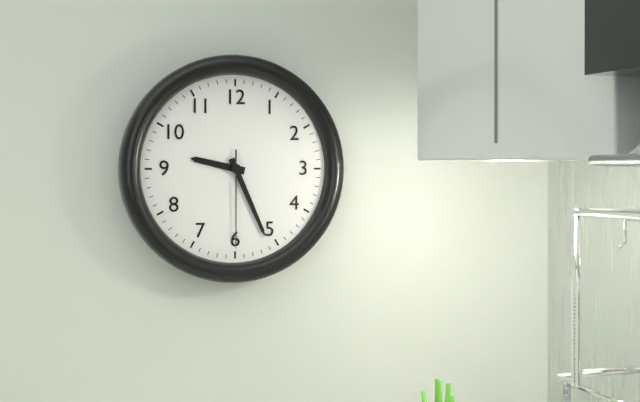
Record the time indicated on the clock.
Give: 9:26:30
